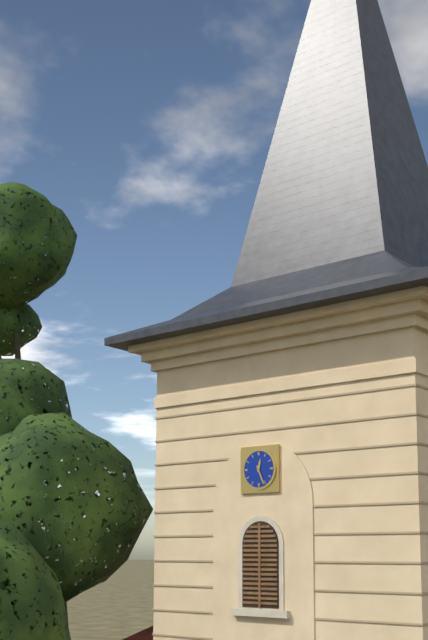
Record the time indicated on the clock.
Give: 12:26
